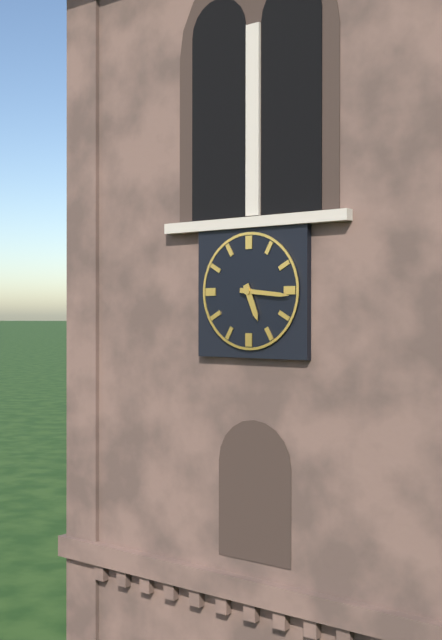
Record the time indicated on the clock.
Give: 5:16
